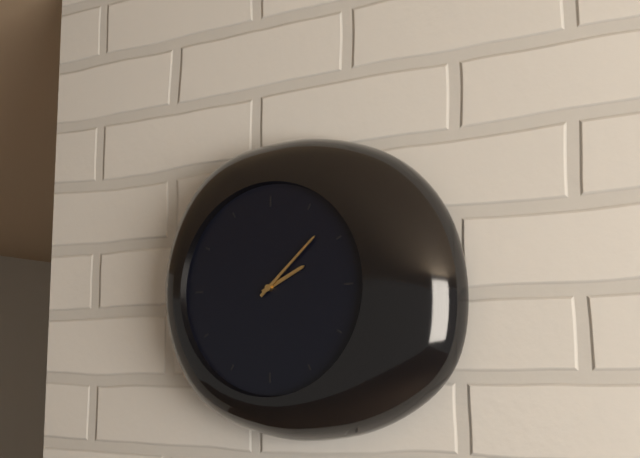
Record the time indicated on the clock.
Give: 2:08
